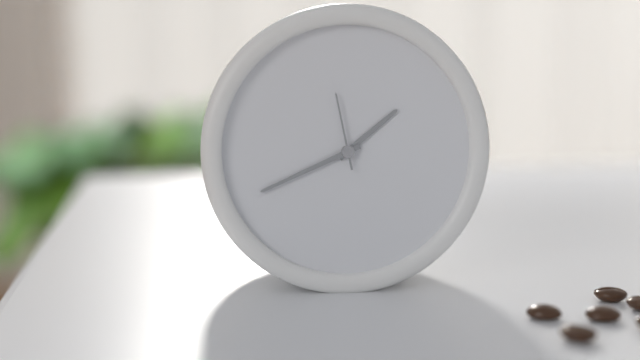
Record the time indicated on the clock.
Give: 1:41:58
